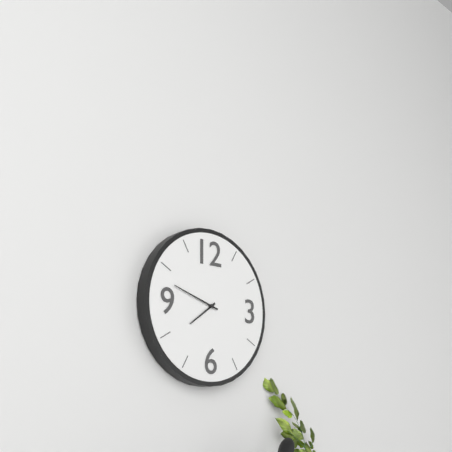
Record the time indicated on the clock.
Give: 7:48
